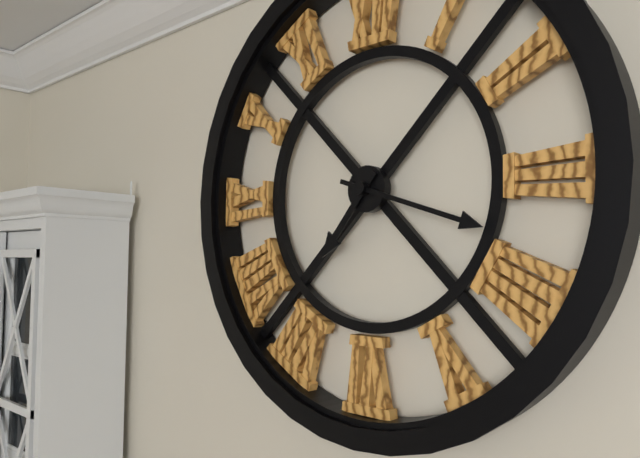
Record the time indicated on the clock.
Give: 7:18
